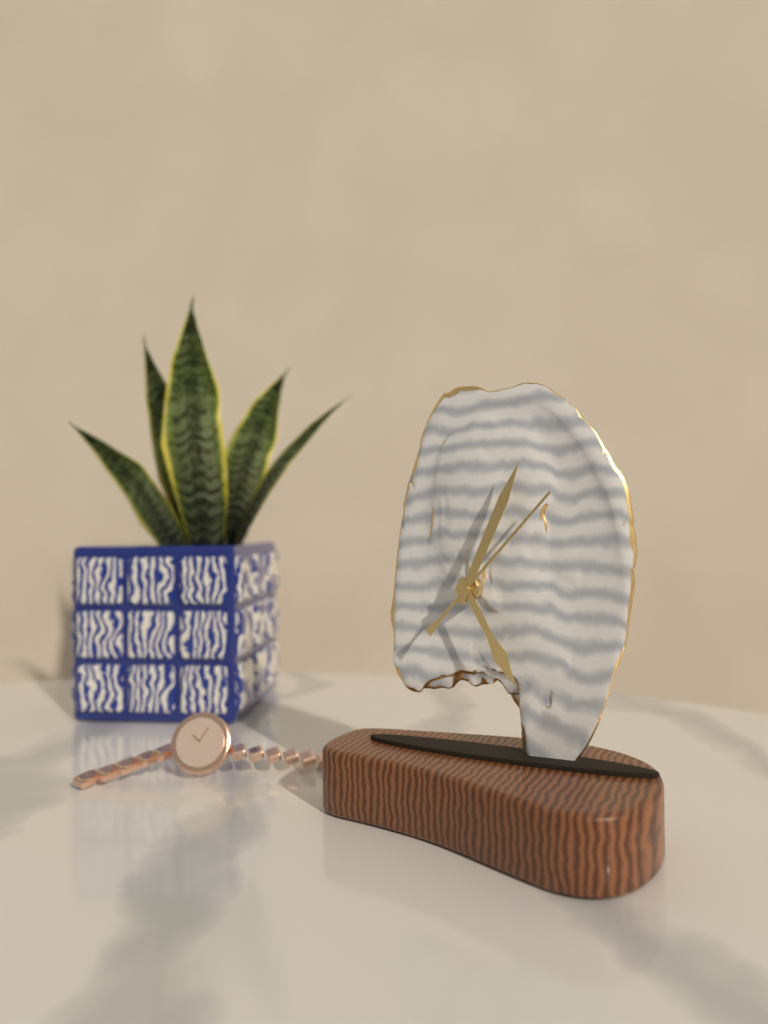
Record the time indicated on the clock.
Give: 5:04:07
